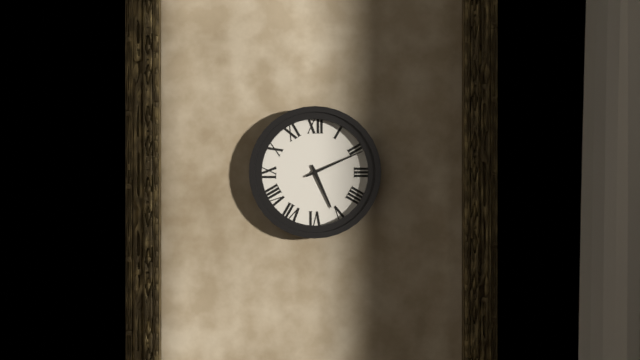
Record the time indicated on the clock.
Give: 5:11
